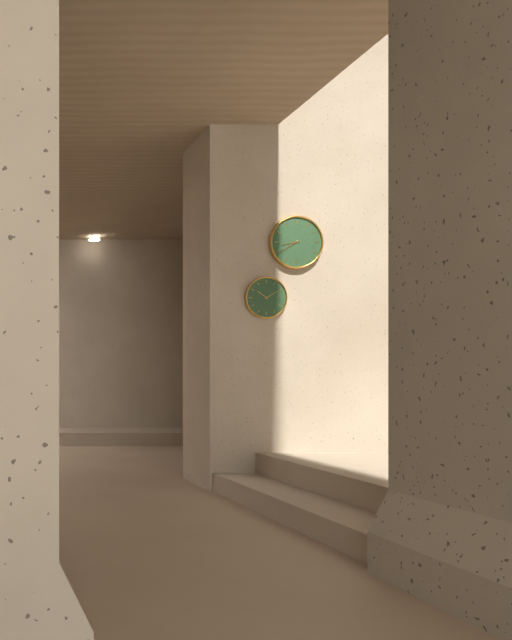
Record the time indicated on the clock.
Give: 8:40
